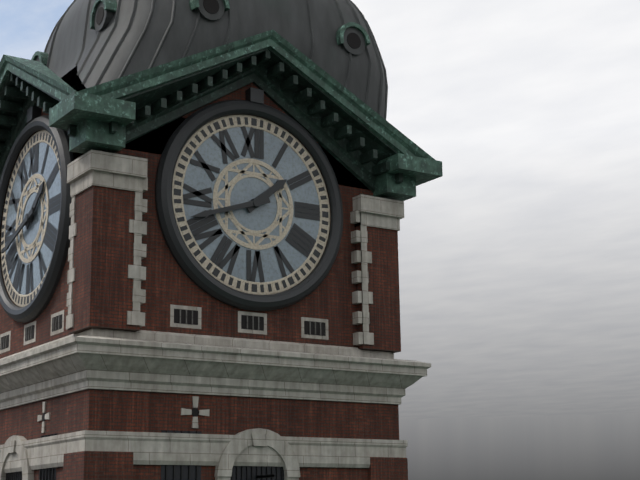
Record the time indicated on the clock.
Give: 1:42
